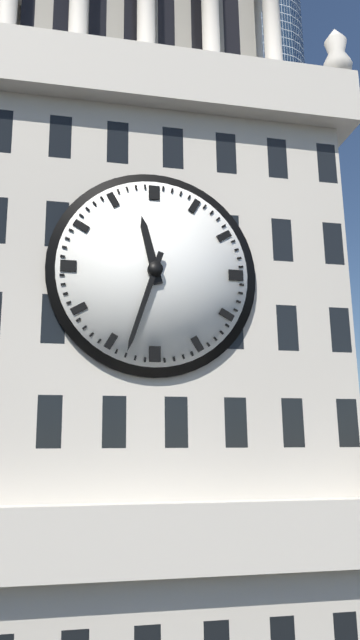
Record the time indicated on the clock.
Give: 11:33
